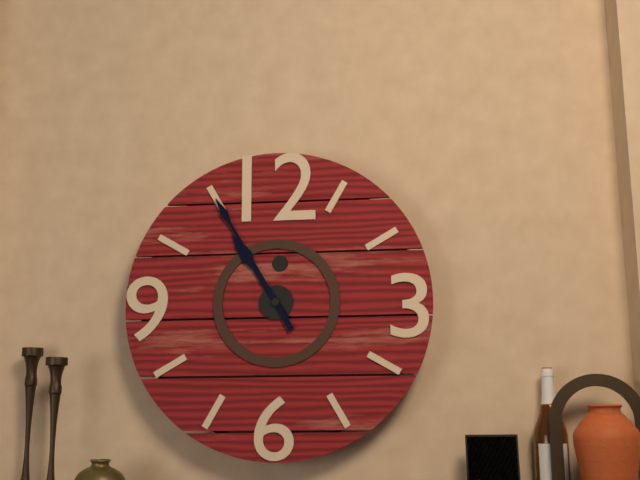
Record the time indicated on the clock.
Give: 10:55
